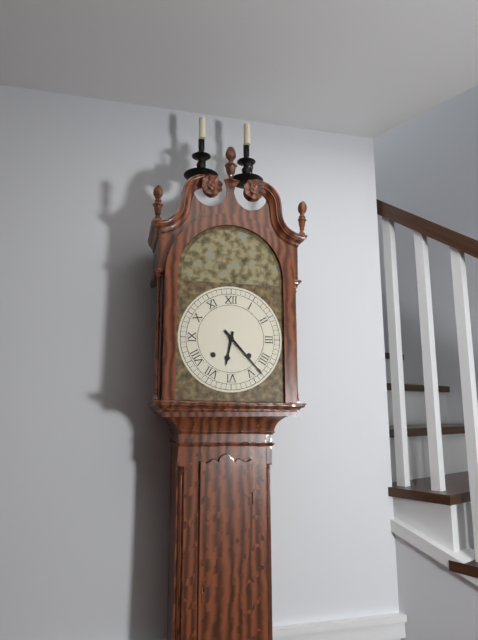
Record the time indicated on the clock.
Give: 6:23
